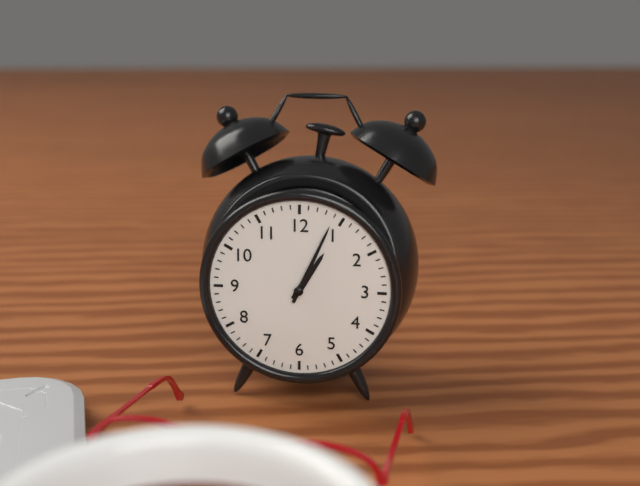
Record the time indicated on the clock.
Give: 1:04
